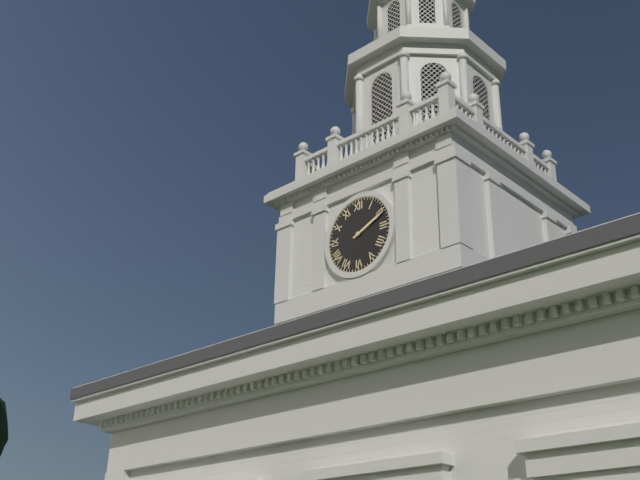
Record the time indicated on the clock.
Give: 2:11
